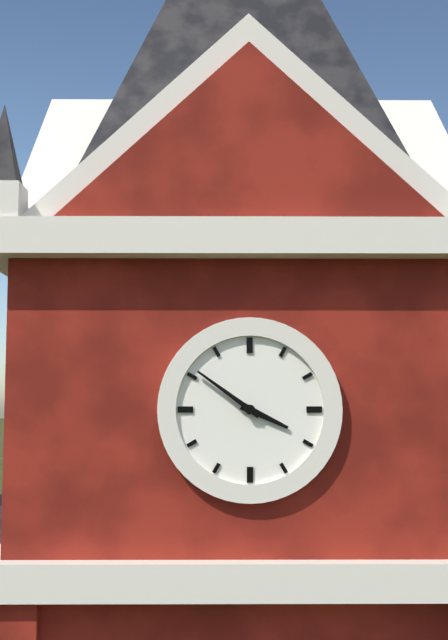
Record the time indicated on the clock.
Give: 3:51
